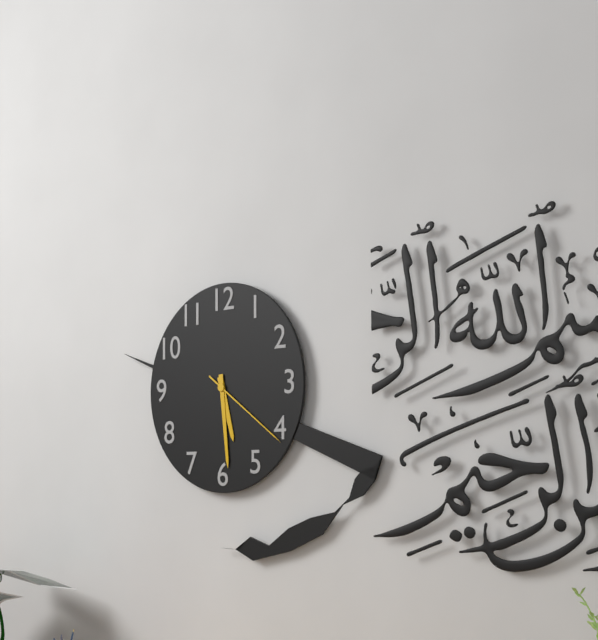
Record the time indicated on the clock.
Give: 5:29:21
